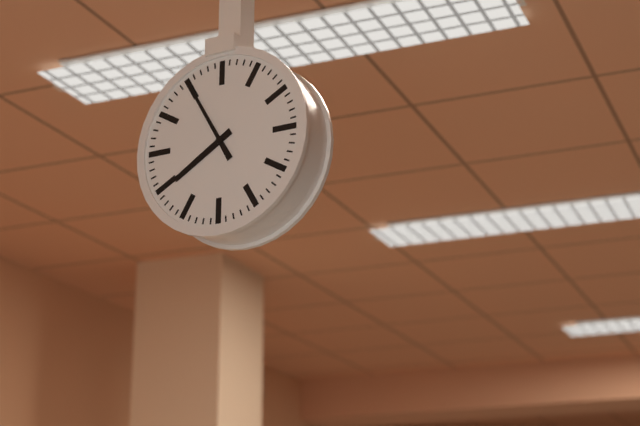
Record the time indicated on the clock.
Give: 7:55
